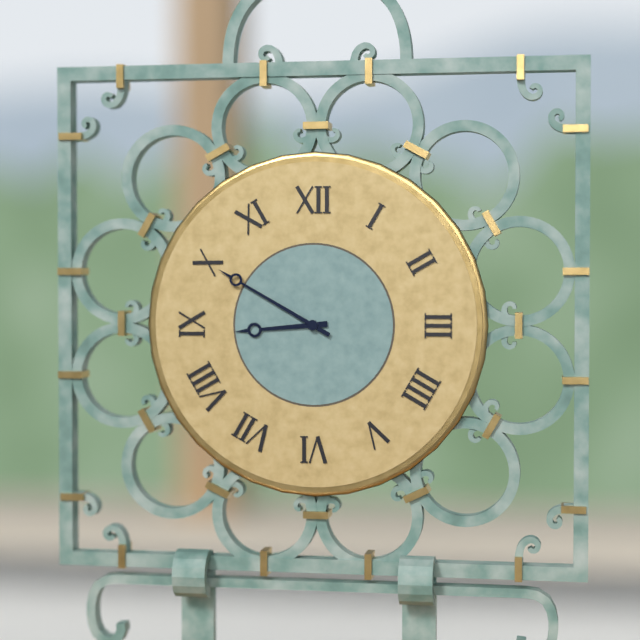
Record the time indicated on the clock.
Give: 8:50
